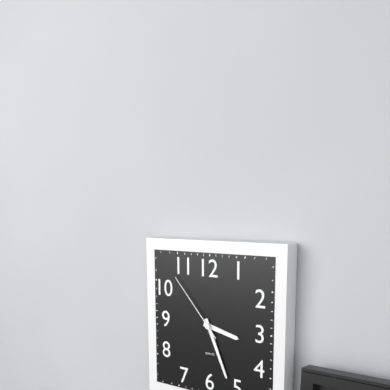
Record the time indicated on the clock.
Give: 3:26:53
